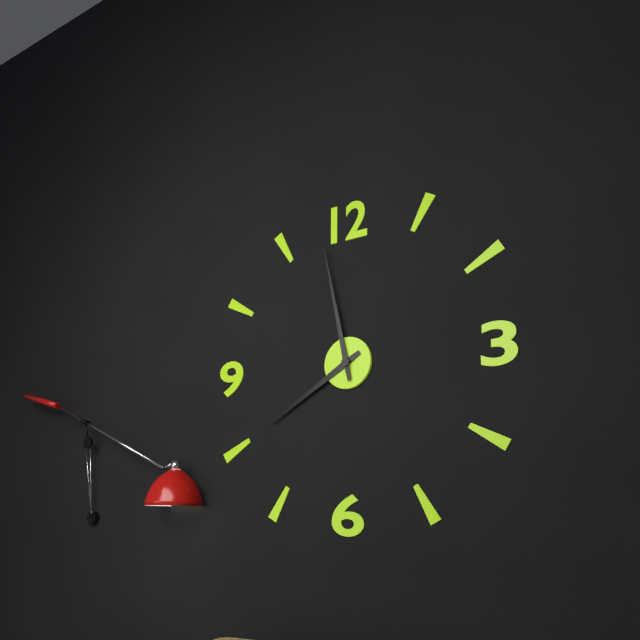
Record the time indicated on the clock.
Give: 7:58
